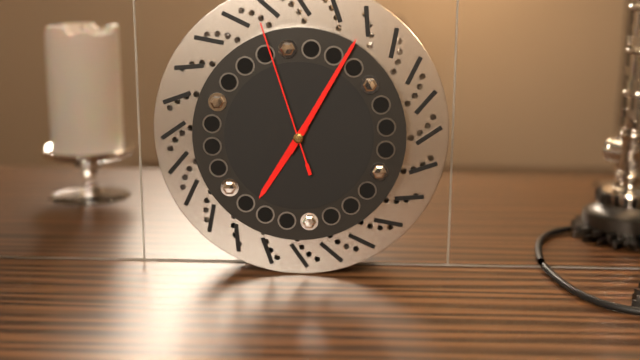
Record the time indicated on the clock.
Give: 7:05:57
